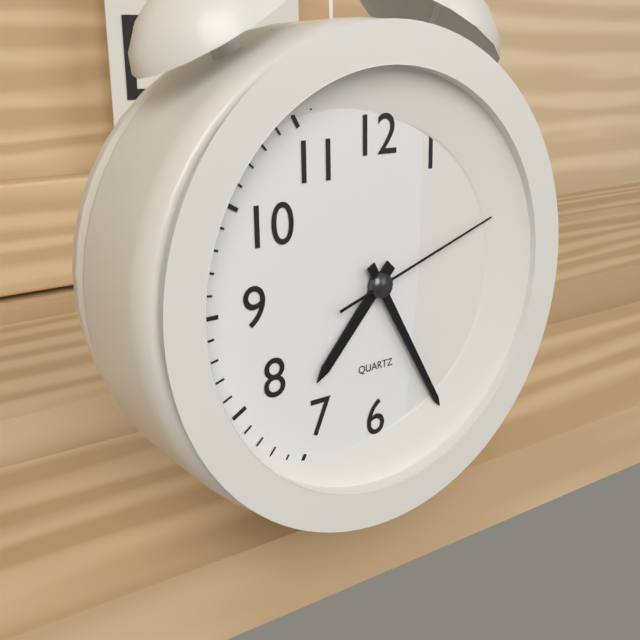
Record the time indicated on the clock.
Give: 7:25:12
